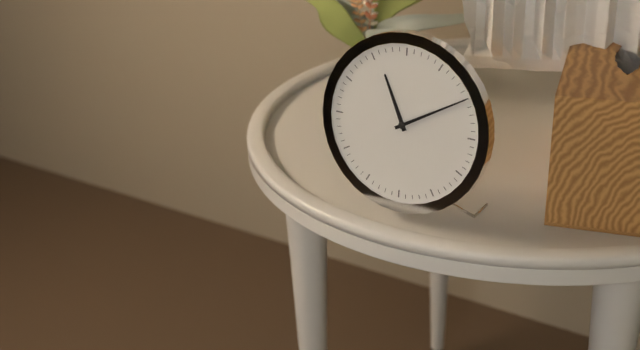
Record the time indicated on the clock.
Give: 11:10
